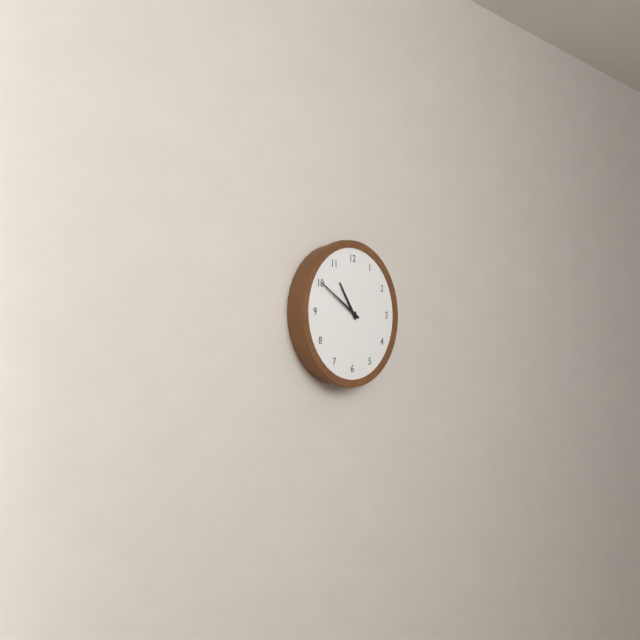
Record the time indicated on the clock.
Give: 10:50
